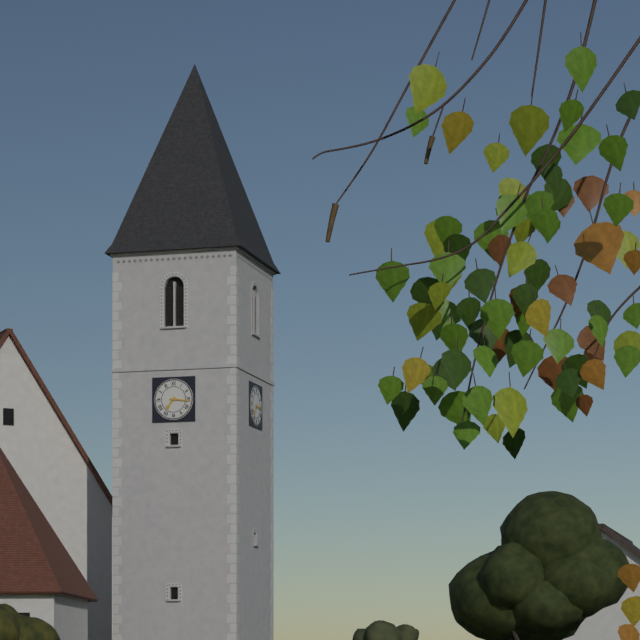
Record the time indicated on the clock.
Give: 7:16
